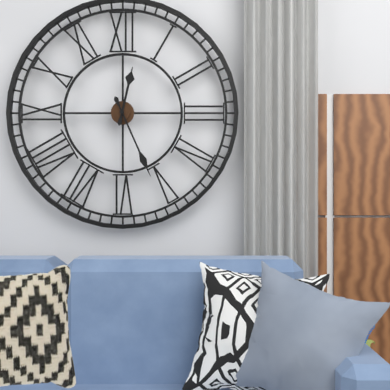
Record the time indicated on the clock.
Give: 12:26
